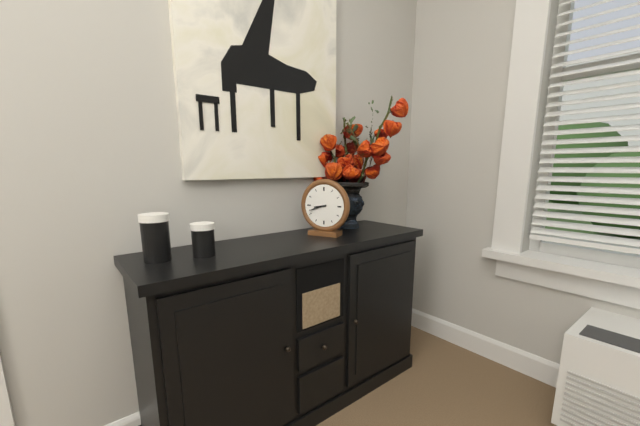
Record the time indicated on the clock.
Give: 8:42
